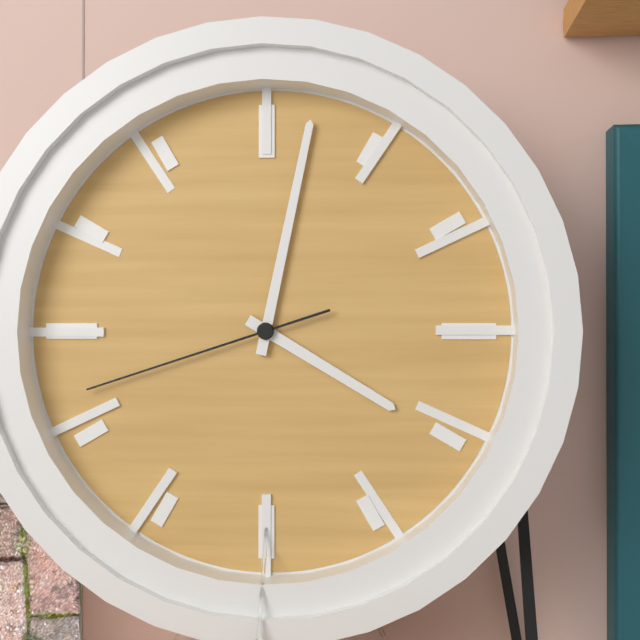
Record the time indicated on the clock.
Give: 4:02:42
